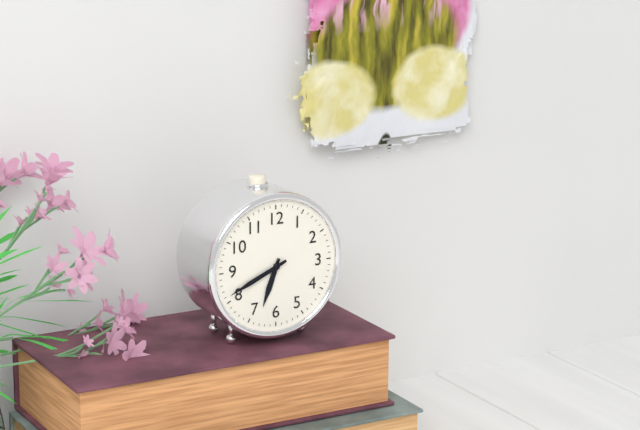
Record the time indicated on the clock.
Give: 6:41
